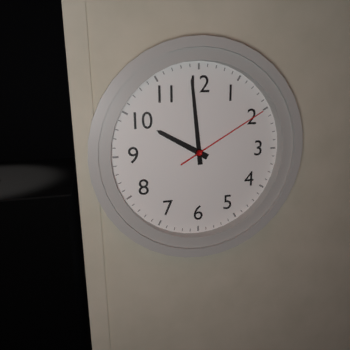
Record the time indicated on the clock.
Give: 9:59:10
